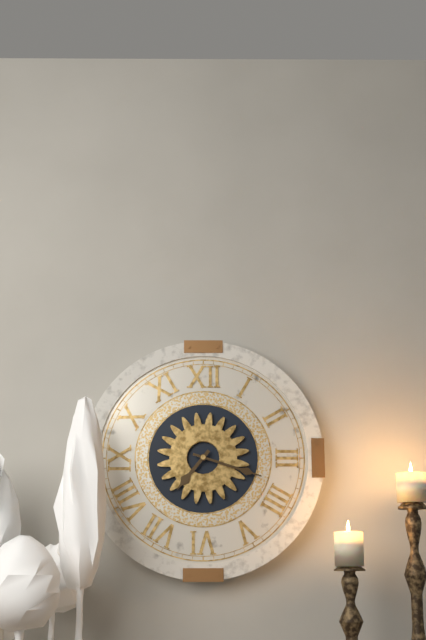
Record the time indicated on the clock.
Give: 7:18
